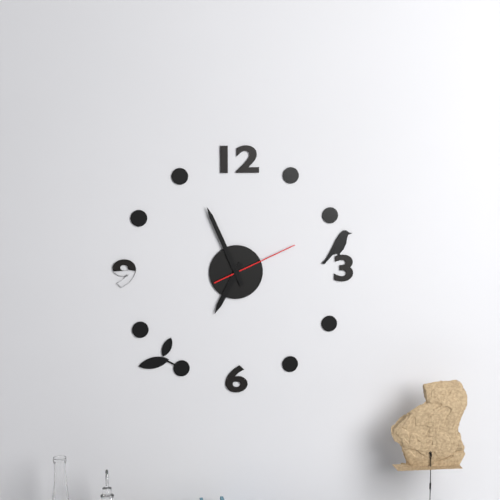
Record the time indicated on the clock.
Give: 6:56:11
